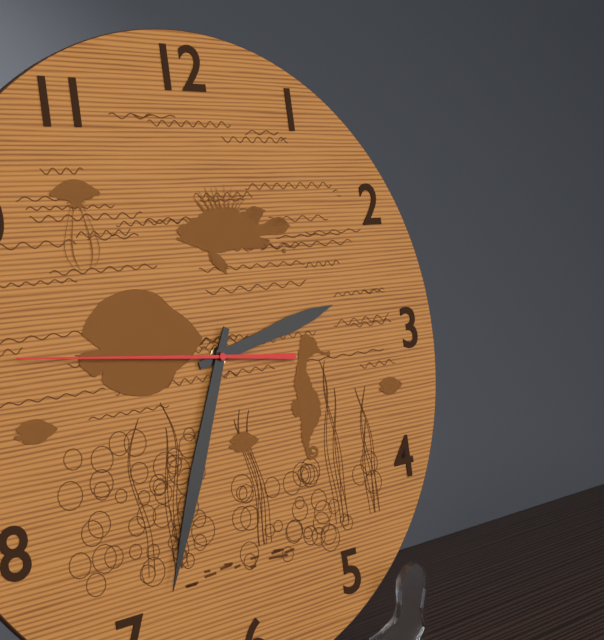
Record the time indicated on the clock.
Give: 2:34:46
